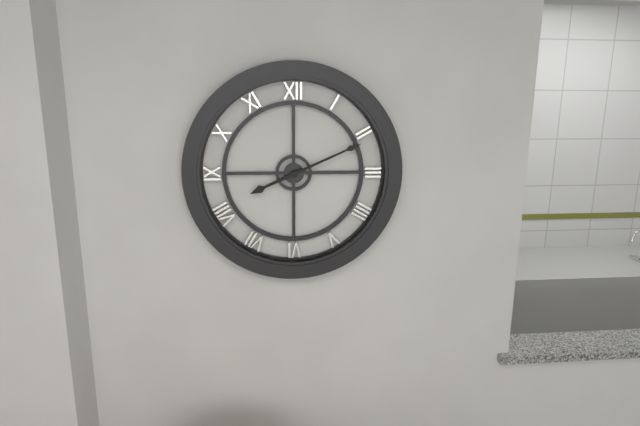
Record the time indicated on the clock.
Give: 8:11
